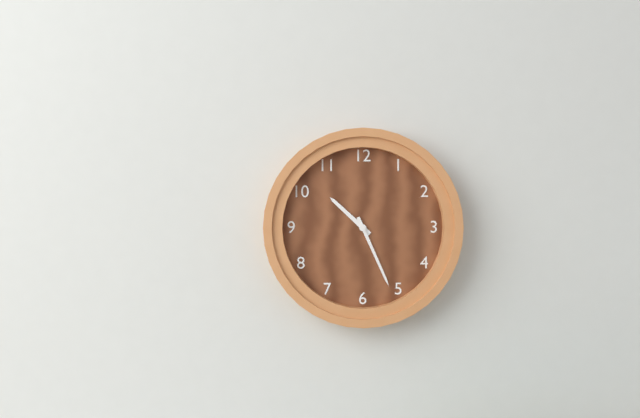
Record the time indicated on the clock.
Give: 10:26
